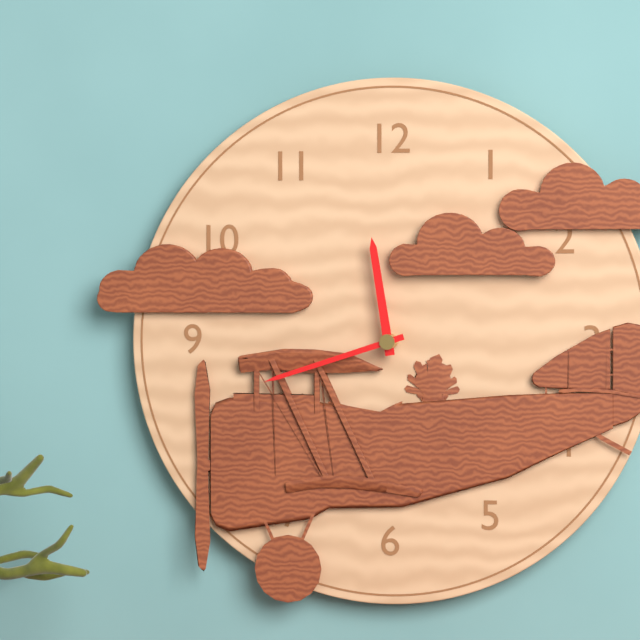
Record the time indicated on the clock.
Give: 11:42
